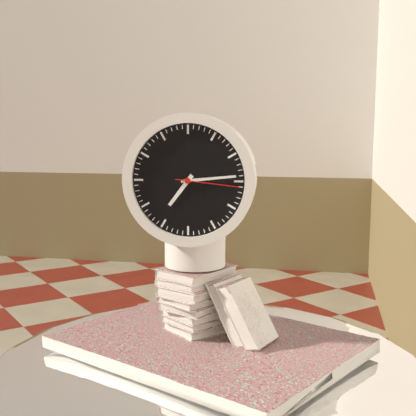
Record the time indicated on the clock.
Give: 7:14:16
